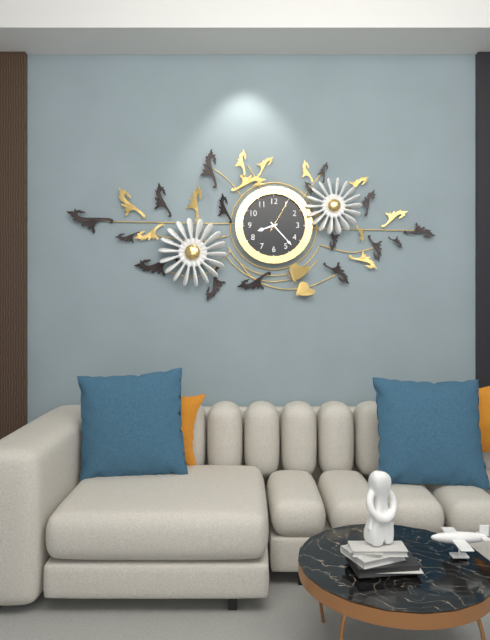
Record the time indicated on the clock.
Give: 8:23
